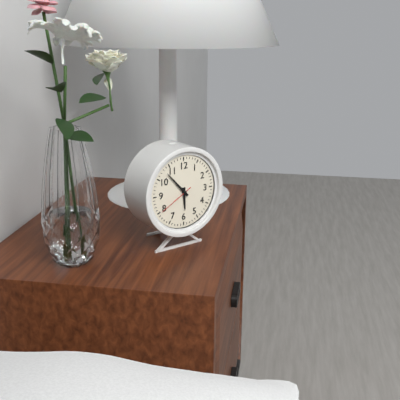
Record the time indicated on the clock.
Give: 5:53
